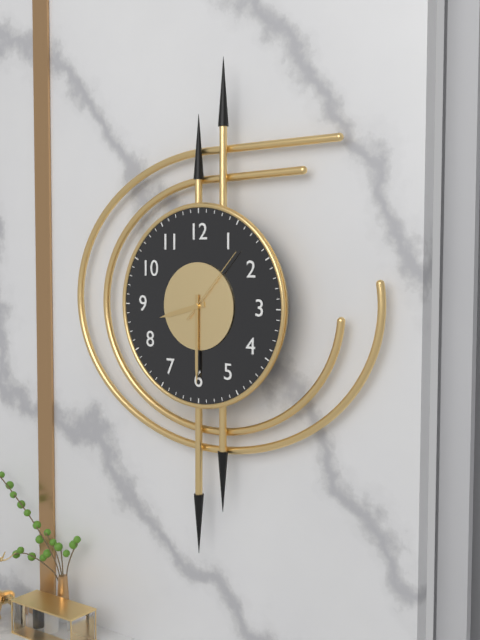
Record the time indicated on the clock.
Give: 8:30:07
